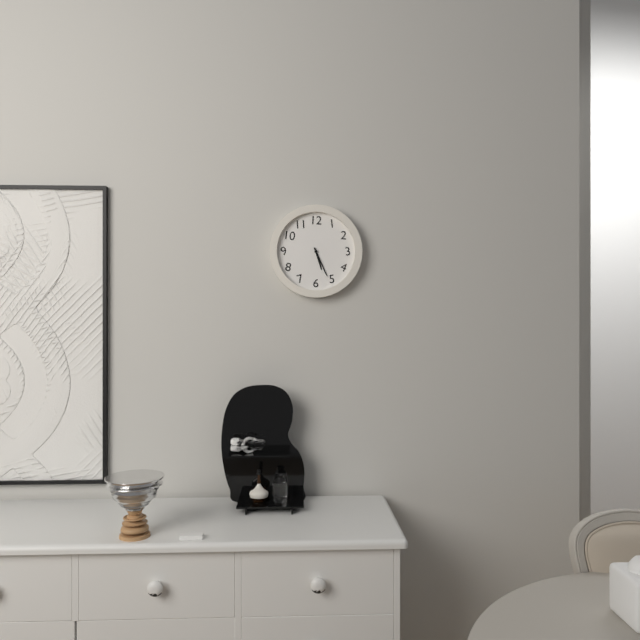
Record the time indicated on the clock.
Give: 5:26
